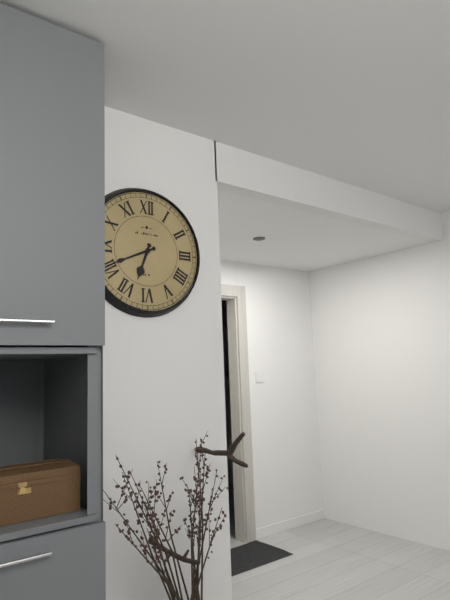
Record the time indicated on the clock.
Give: 6:41
